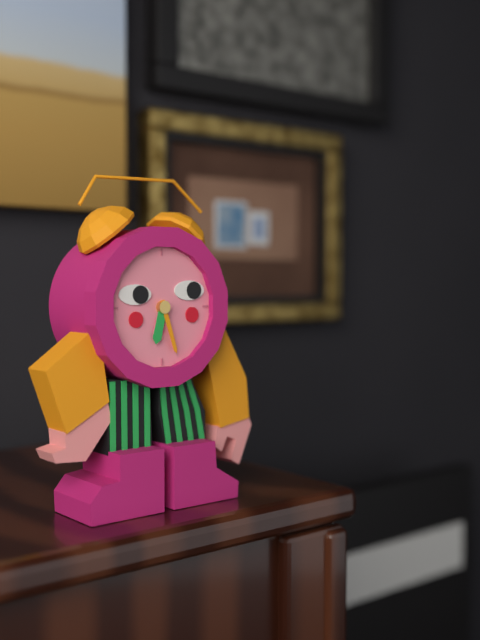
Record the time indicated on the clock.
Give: 6:27
